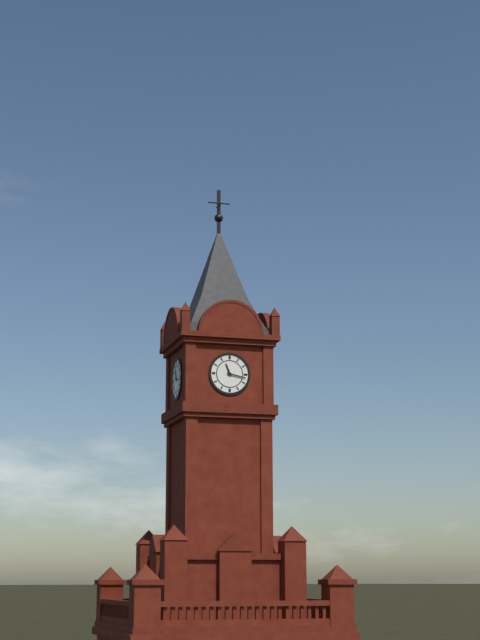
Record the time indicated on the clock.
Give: 11:17
